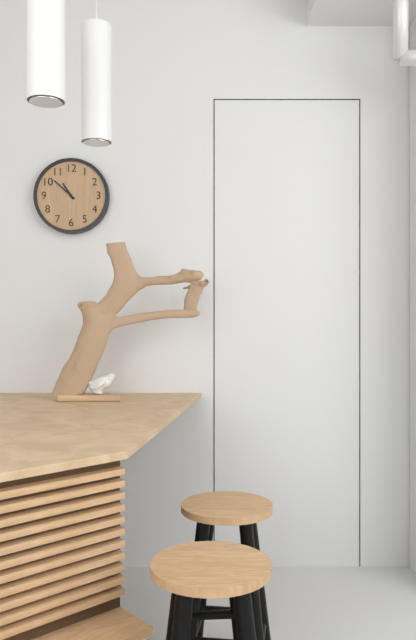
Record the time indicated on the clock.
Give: 10:52
